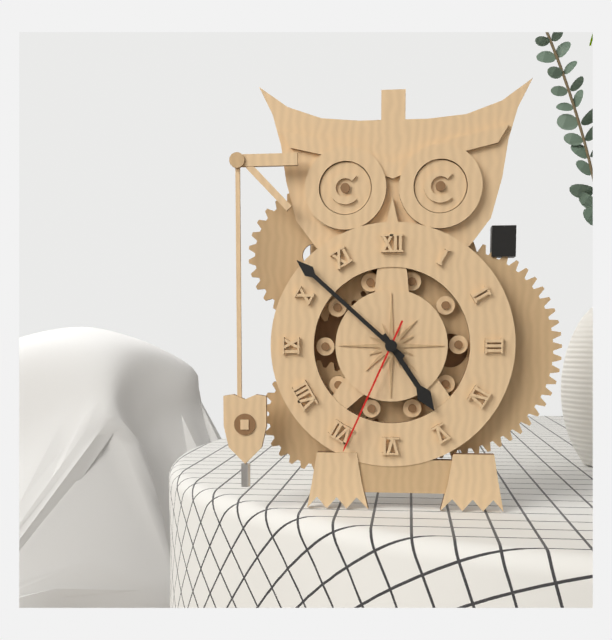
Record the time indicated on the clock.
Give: 4:52:34
